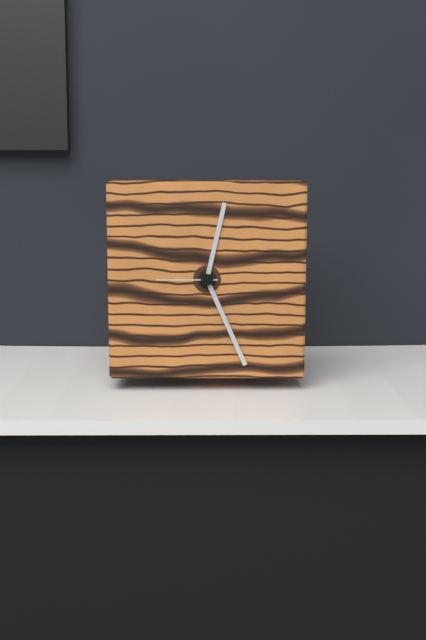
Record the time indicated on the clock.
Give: 12:26:45
